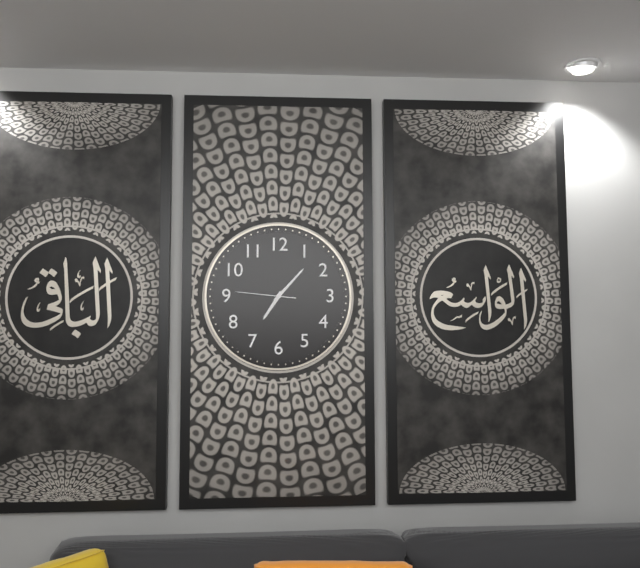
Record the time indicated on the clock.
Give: 7:07:46
